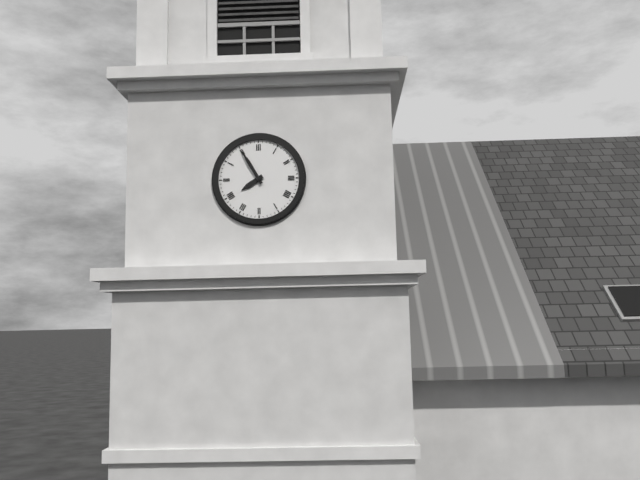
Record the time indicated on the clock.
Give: 7:55
